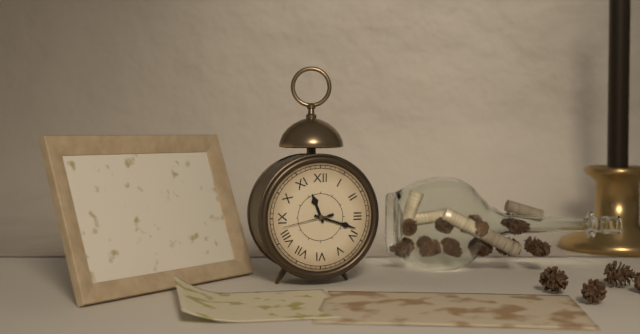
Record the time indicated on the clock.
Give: 11:18
